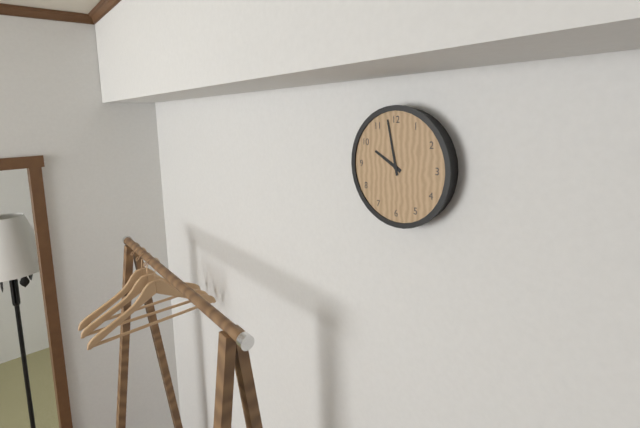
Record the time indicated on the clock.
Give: 9:58
